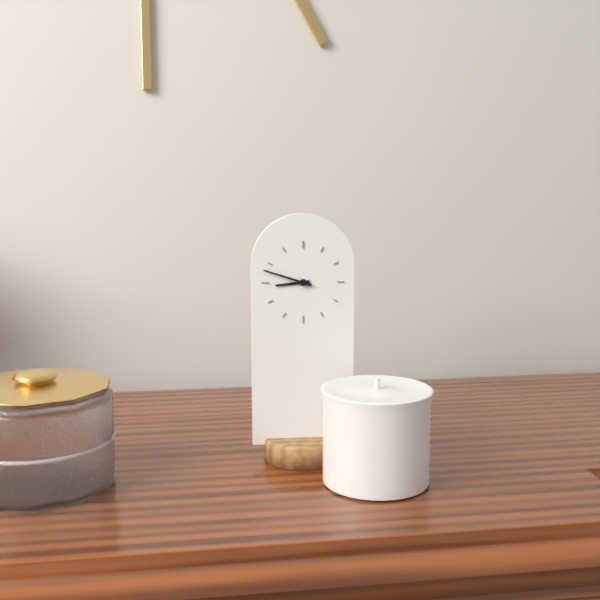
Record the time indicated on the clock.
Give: 8:48
